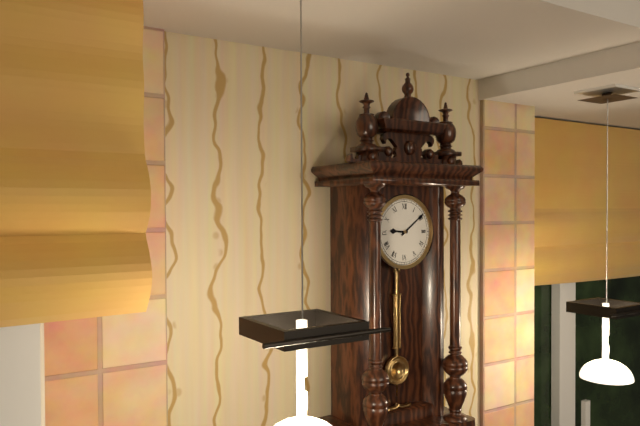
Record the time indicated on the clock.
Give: 9:09
